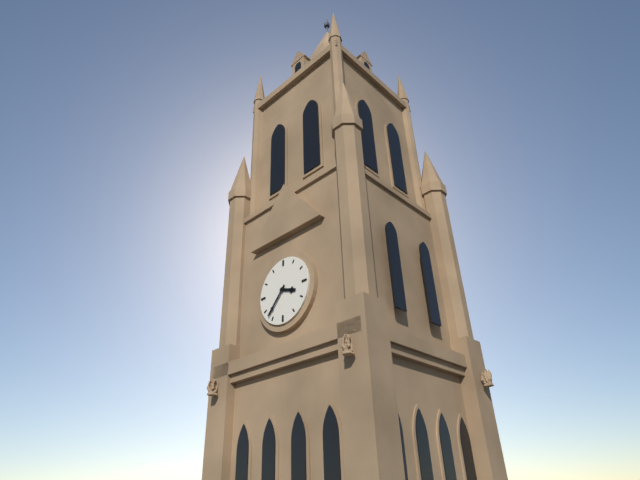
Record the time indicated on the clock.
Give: 3:37
